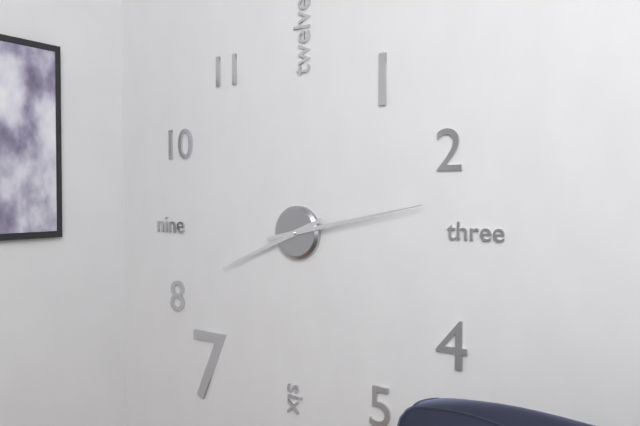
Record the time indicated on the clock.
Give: 8:13
